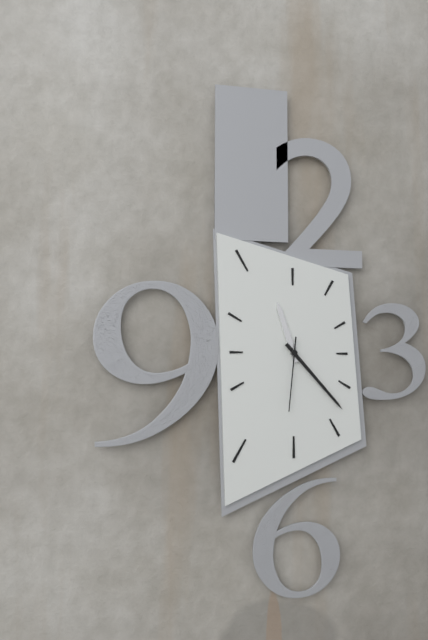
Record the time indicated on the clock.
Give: 11:23:31
